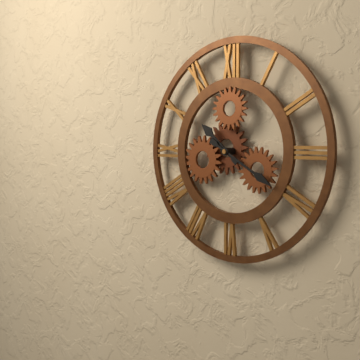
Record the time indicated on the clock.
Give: 10:20
